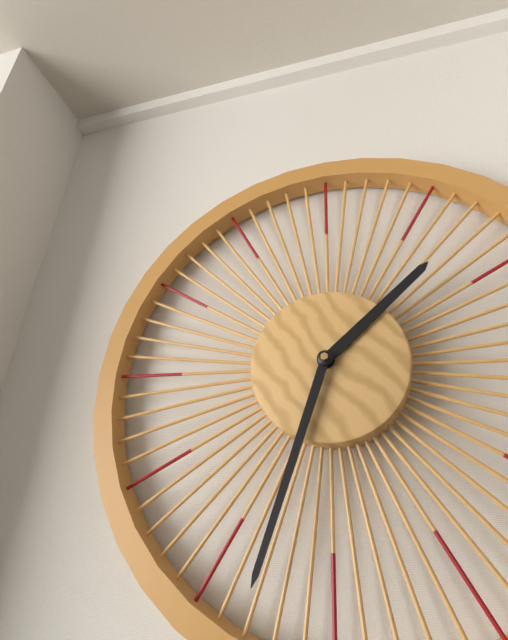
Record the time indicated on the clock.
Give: 1:33
